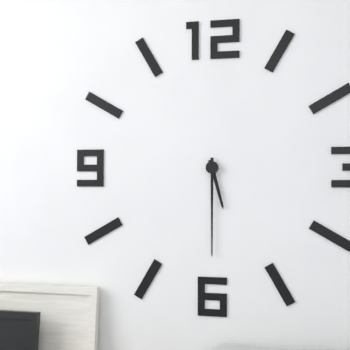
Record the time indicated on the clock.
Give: 5:30
